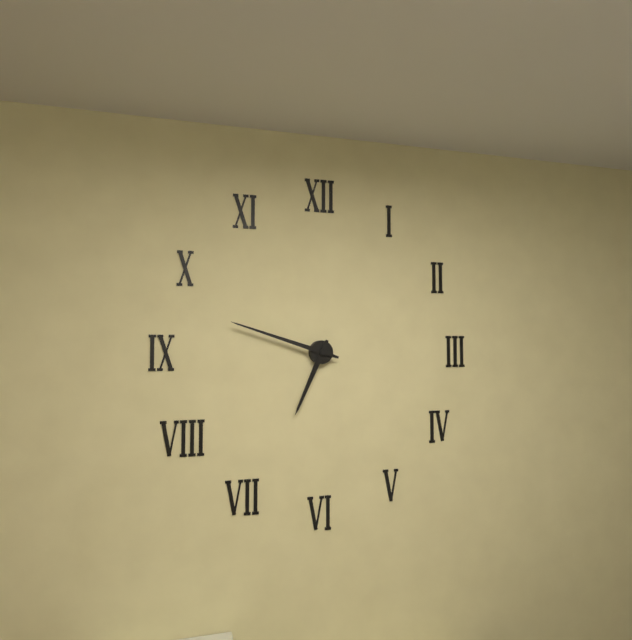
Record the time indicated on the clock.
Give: 6:48
